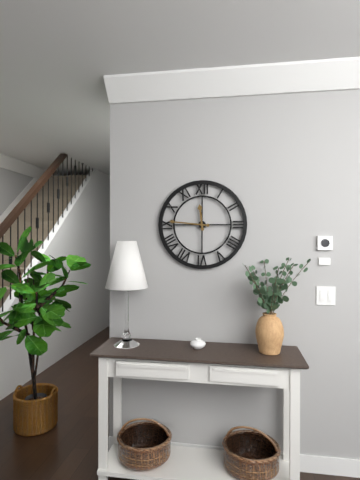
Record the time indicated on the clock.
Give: 11:46
